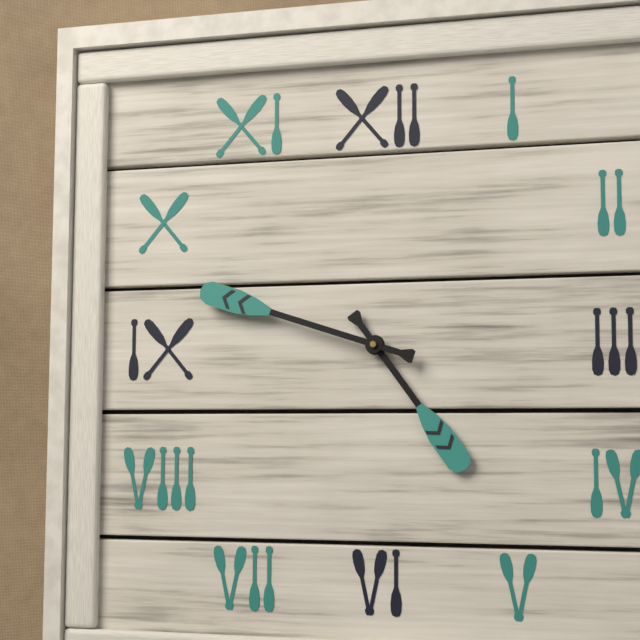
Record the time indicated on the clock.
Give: 4:48
